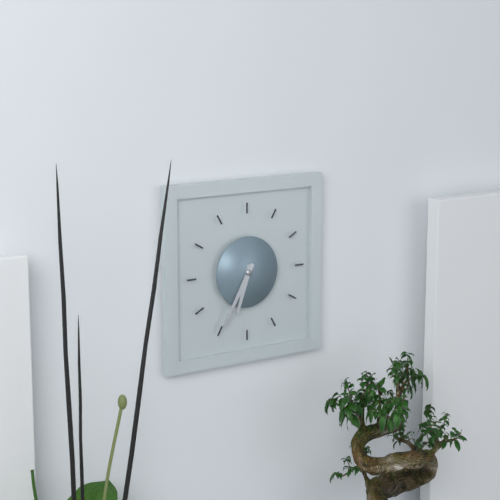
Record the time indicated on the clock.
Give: 6:35
